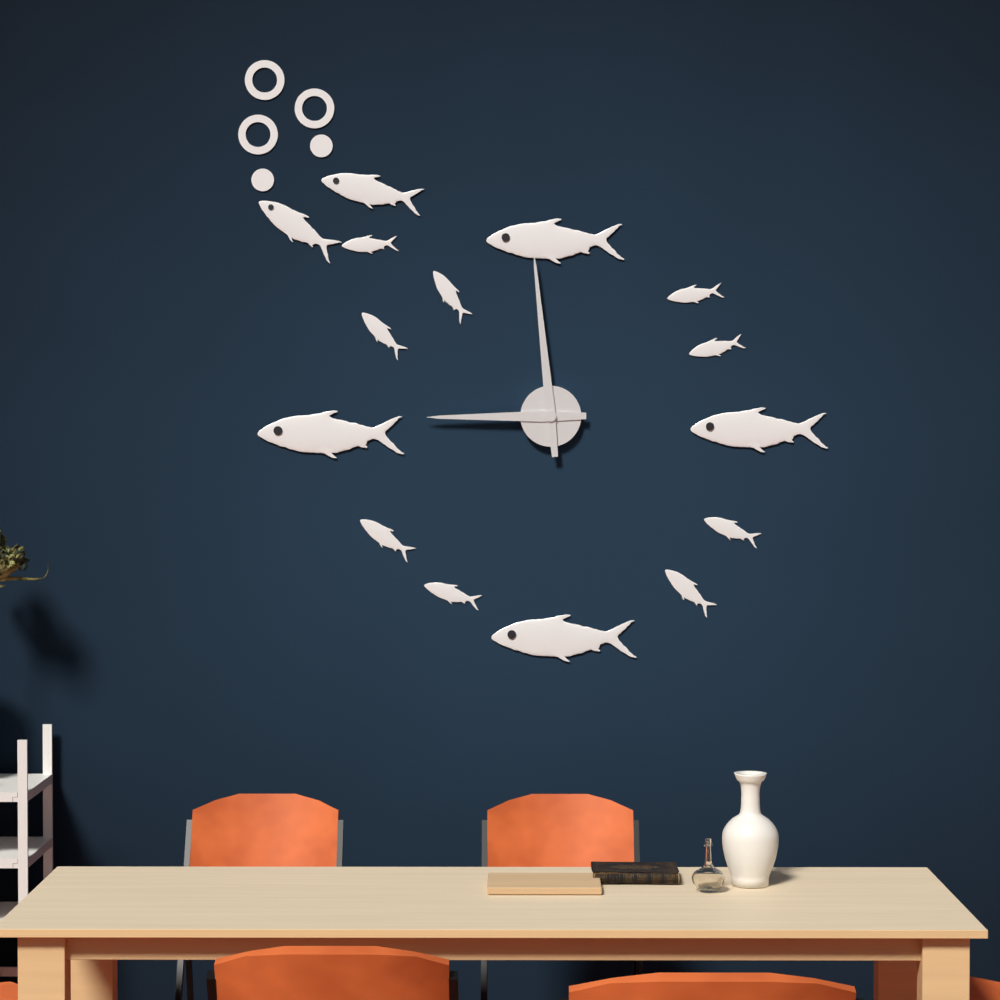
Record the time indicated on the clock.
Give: 8:59
